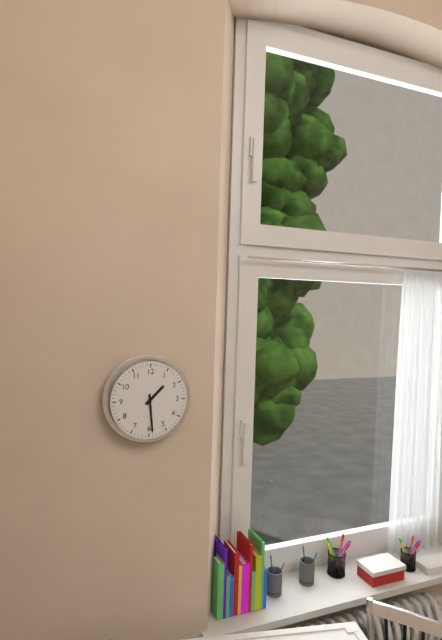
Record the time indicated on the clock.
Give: 1:29
